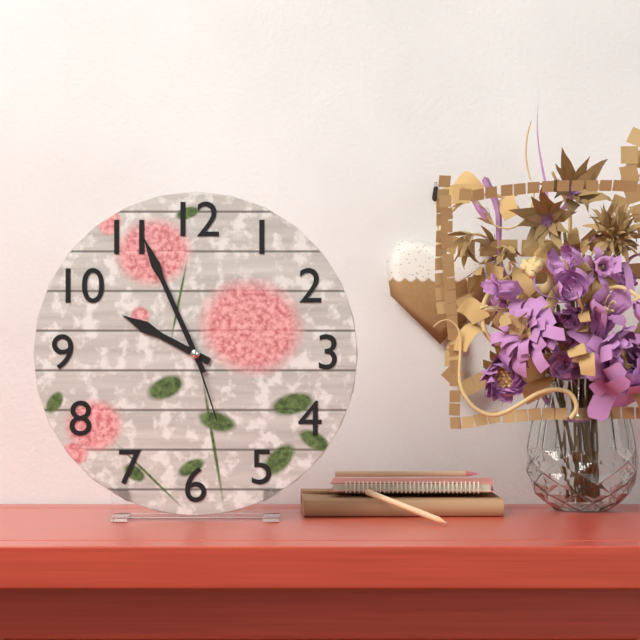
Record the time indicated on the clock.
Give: 9:56:27
